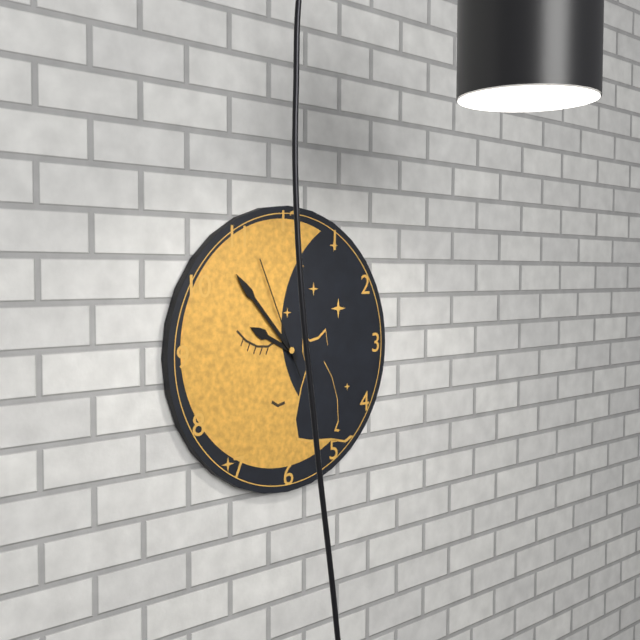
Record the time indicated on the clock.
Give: 9:53:56
